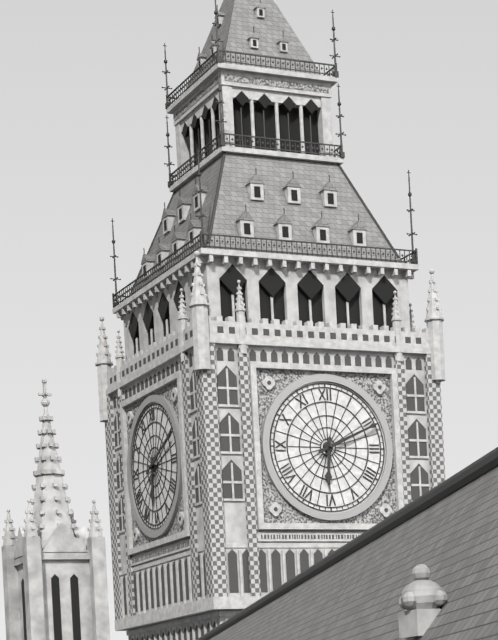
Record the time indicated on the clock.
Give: 6:11
